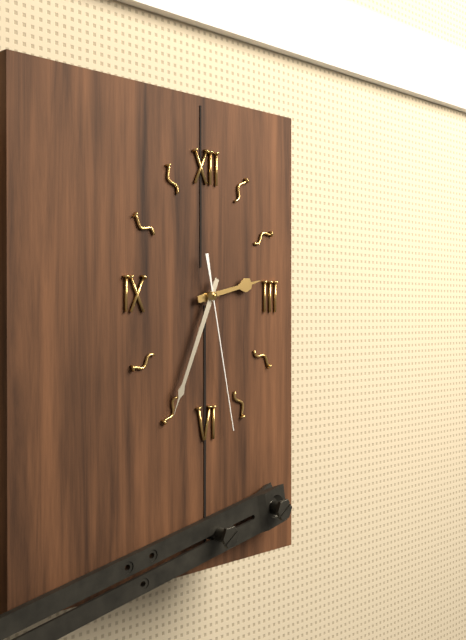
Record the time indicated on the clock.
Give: 2:34:28
